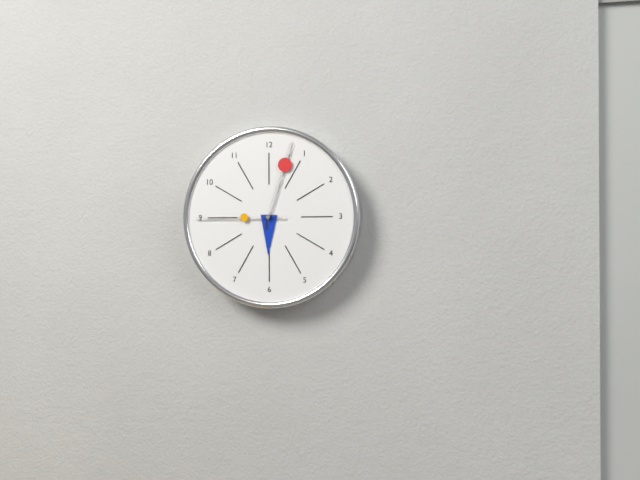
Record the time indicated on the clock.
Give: 6:03:45
